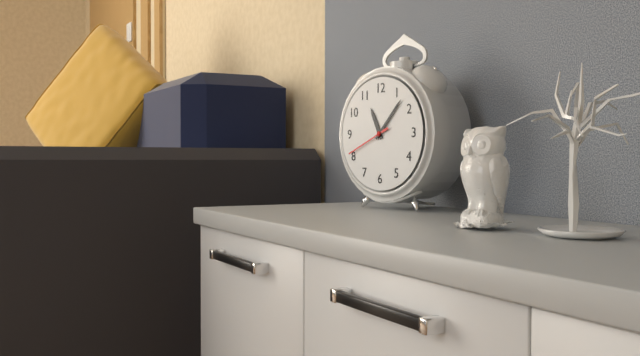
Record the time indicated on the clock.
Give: 11:07
